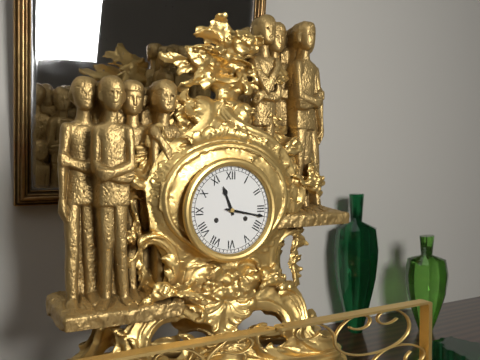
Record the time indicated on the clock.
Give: 11:17
